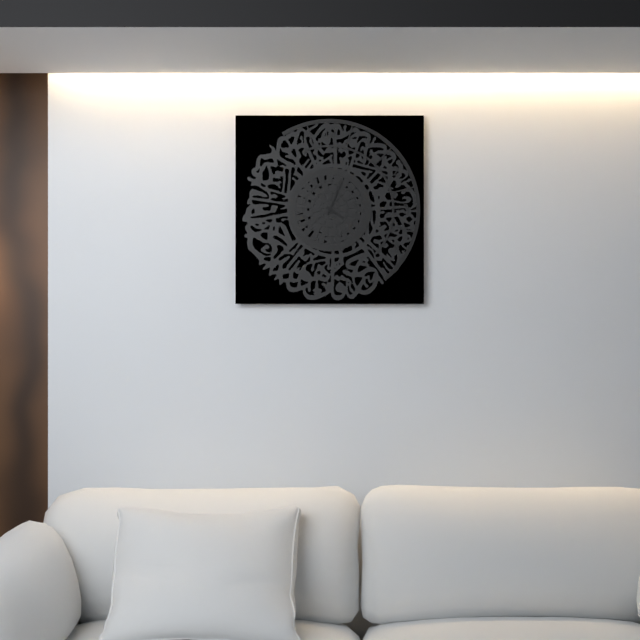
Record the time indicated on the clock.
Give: 4:04
